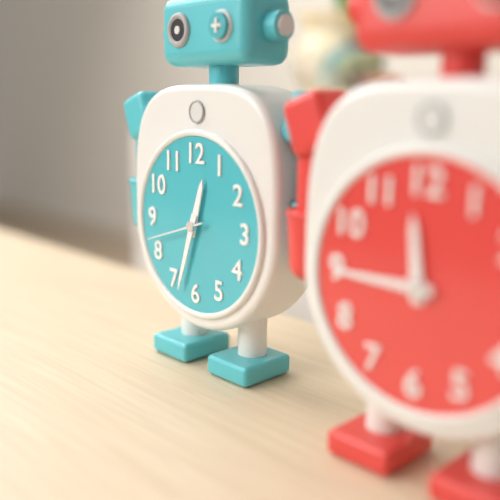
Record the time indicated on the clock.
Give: 12:33:42
